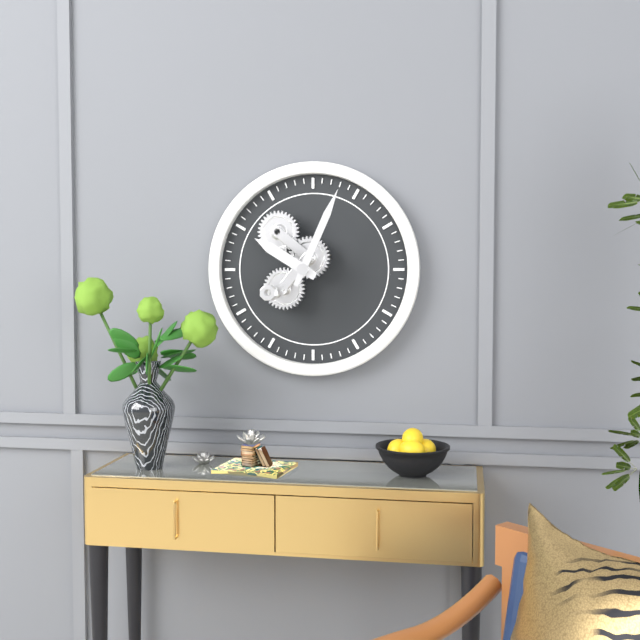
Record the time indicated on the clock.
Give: 10:04
